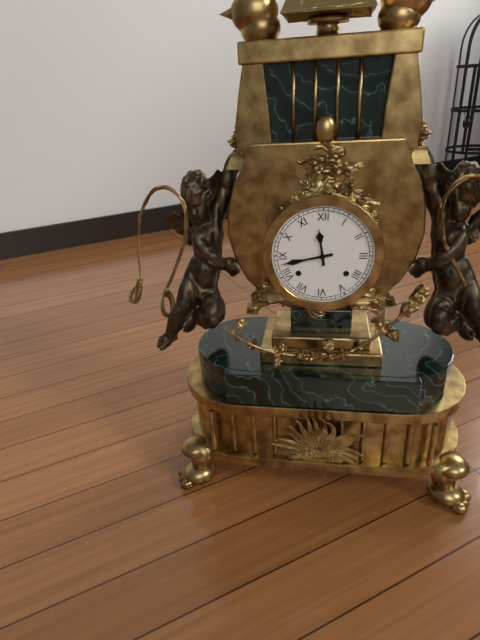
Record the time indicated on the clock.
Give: 11:43
